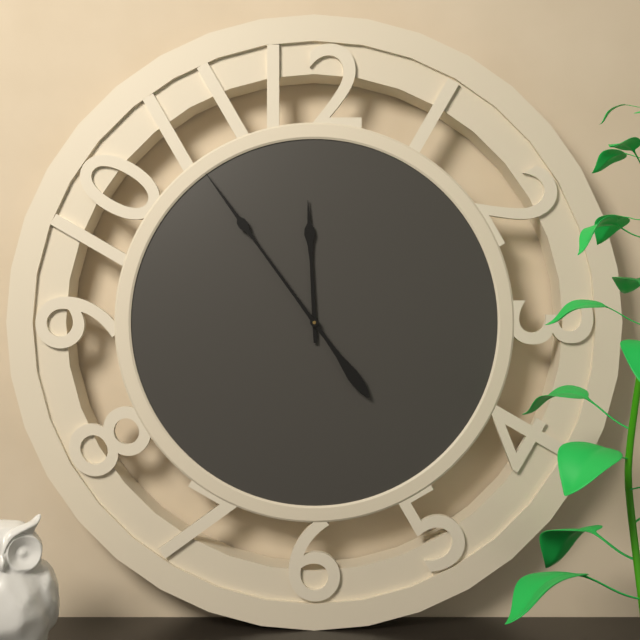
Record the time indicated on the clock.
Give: 11:54
